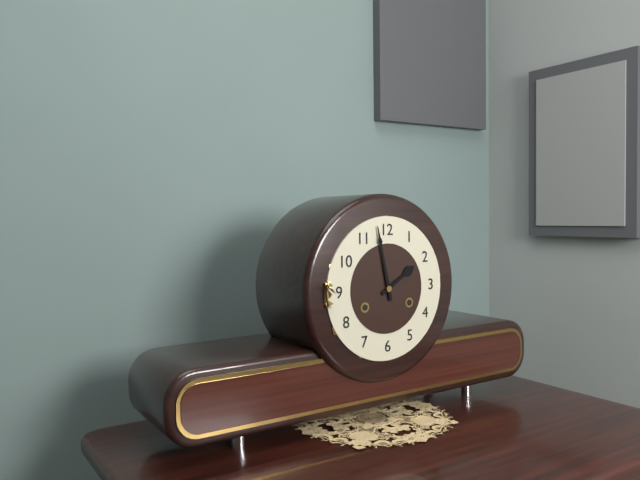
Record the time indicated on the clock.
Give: 1:58
